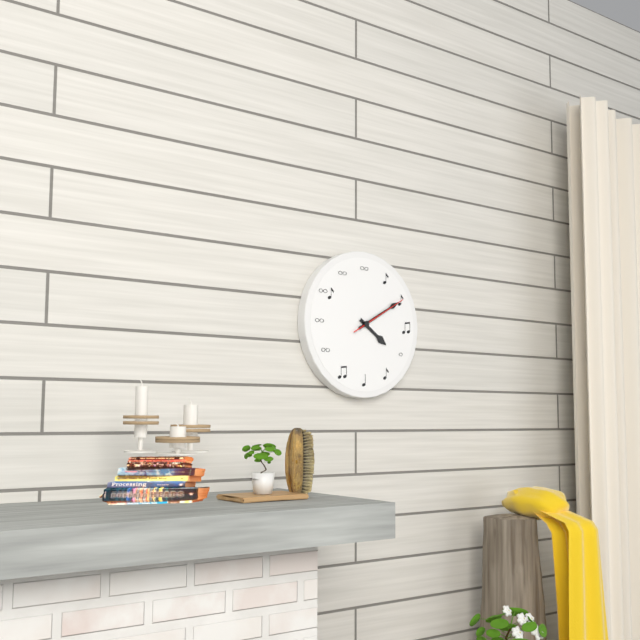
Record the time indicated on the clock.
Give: 4:10:10
